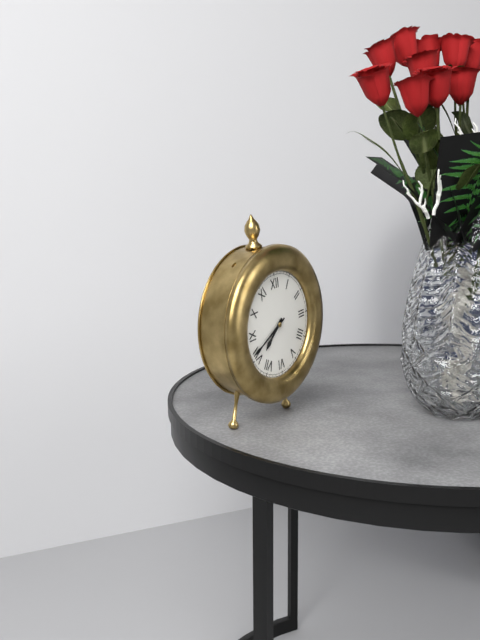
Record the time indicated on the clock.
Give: 7:41
